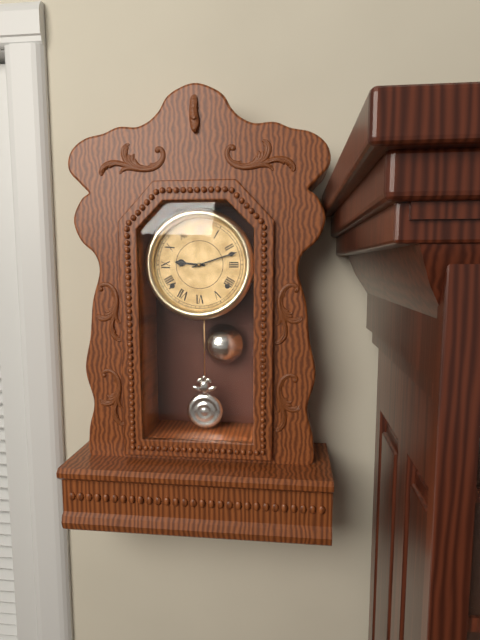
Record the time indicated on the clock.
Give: 9:12
